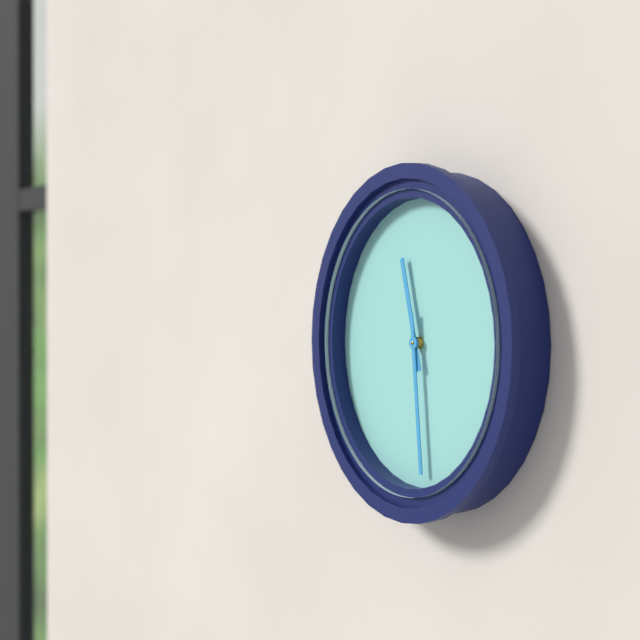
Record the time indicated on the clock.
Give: 11:29
